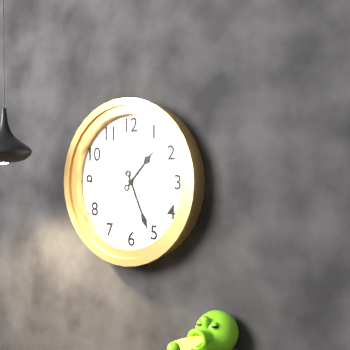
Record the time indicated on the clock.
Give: 1:26
